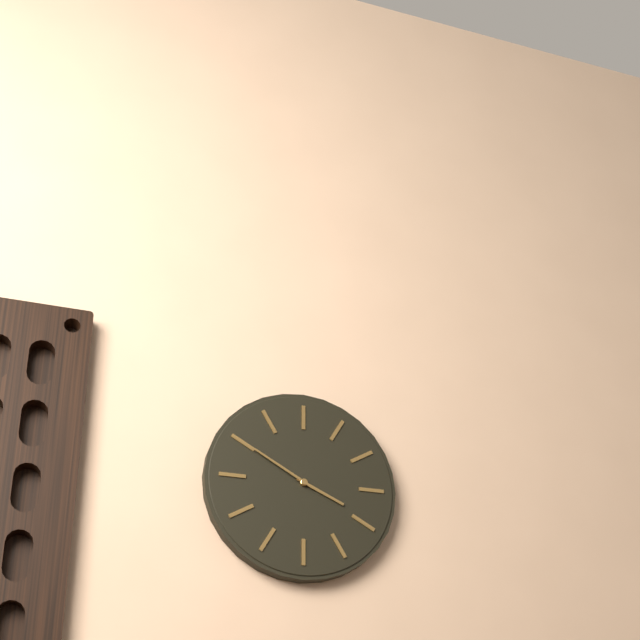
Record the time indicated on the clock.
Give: 3:50
